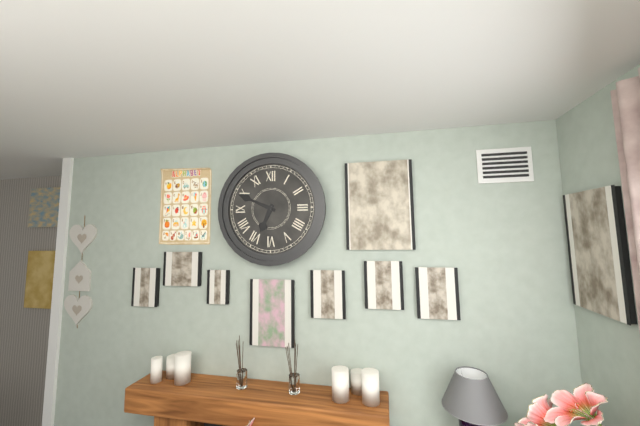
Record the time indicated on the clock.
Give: 6:49
